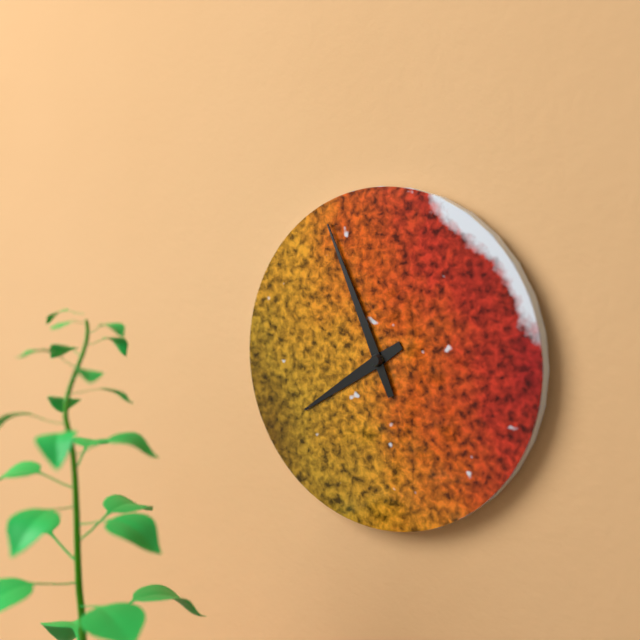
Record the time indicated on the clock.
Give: 7:56
